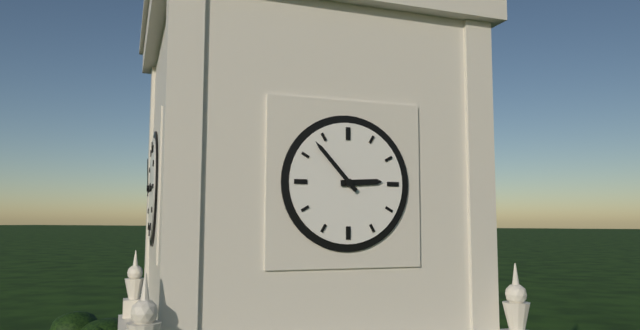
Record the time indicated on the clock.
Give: 2:53
